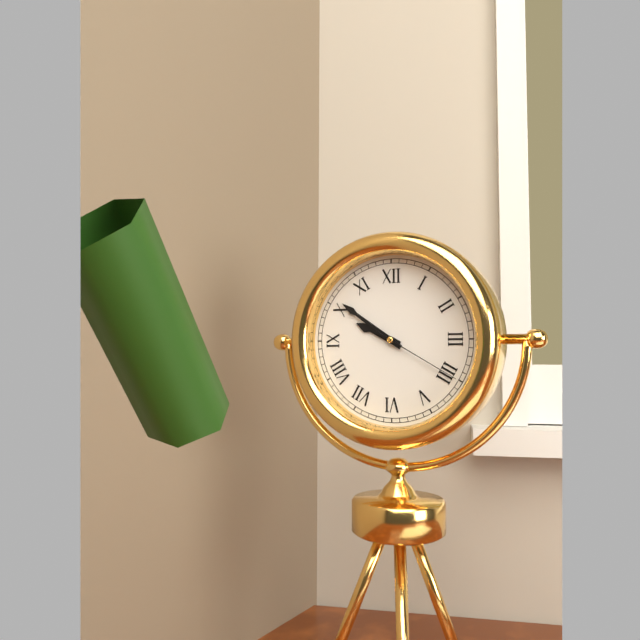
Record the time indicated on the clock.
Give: 9:51:20
